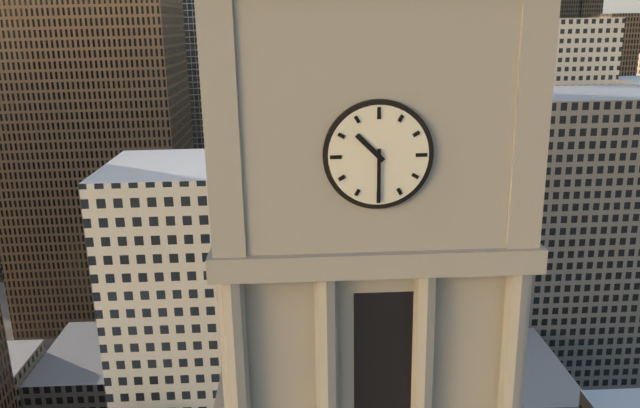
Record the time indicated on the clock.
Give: 10:30
